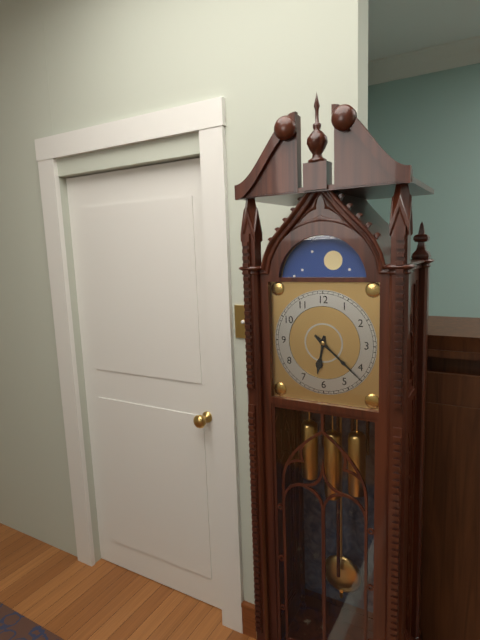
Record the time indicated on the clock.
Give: 6:22
